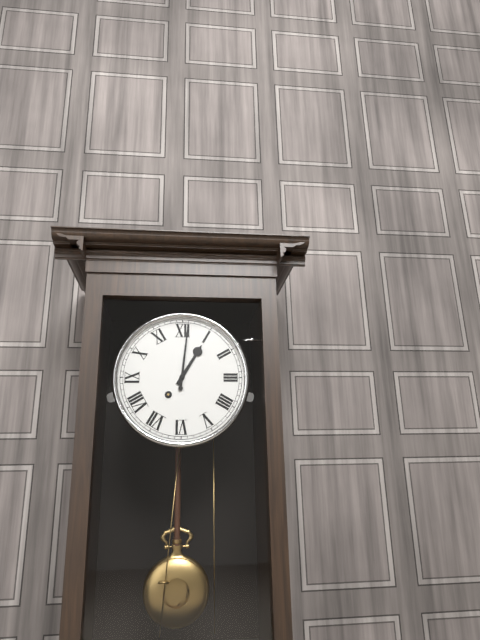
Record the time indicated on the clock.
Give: 1:01
